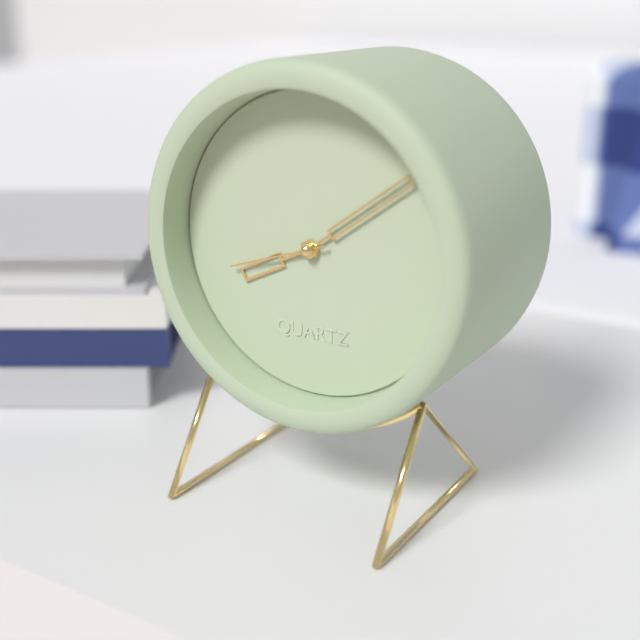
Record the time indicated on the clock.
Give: 8:09:42
